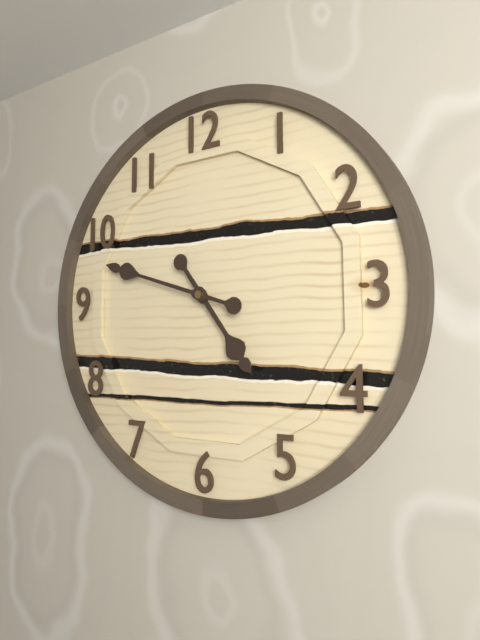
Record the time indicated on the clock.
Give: 4:48
